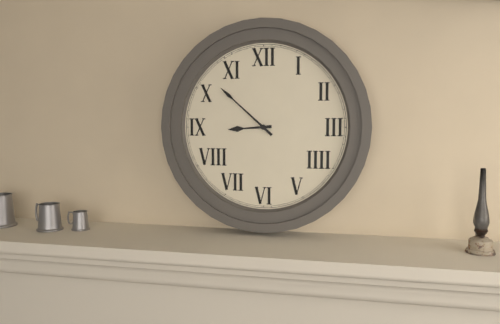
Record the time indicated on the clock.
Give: 8:52
